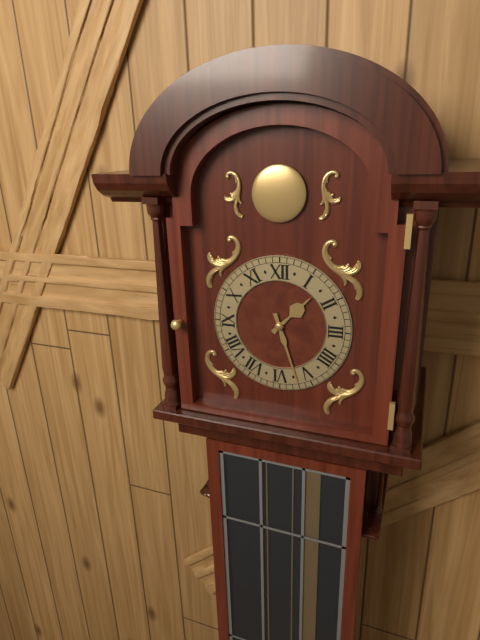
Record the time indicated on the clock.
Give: 1:27
